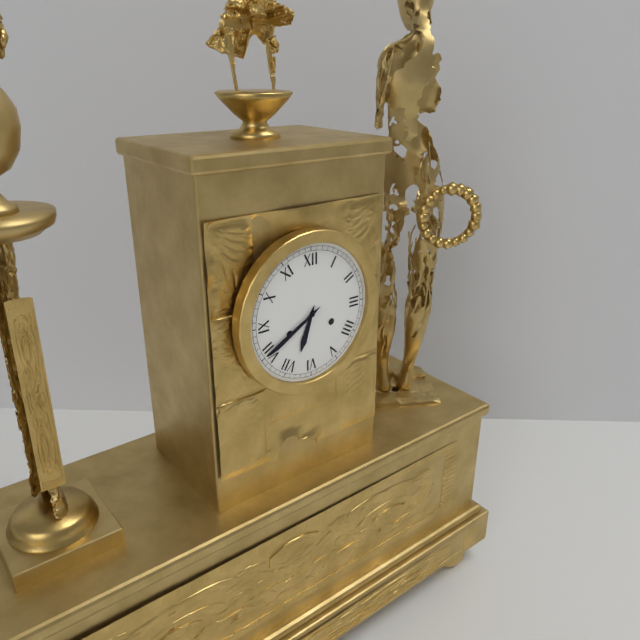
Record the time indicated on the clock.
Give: 6:40
